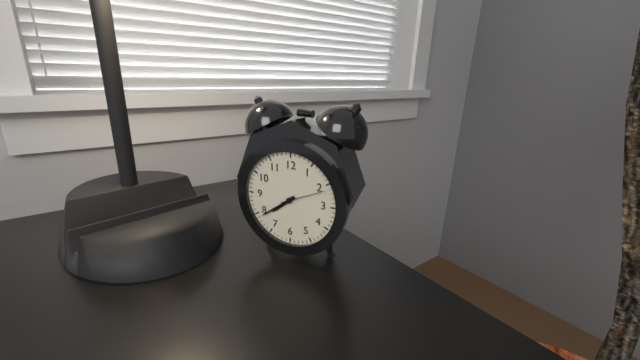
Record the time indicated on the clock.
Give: 7:39
